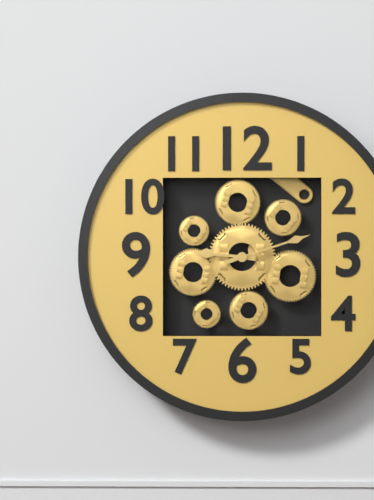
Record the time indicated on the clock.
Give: 9:12
